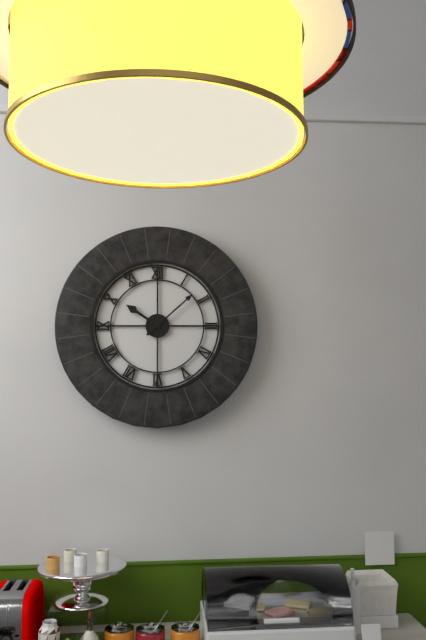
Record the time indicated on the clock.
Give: 10:08
